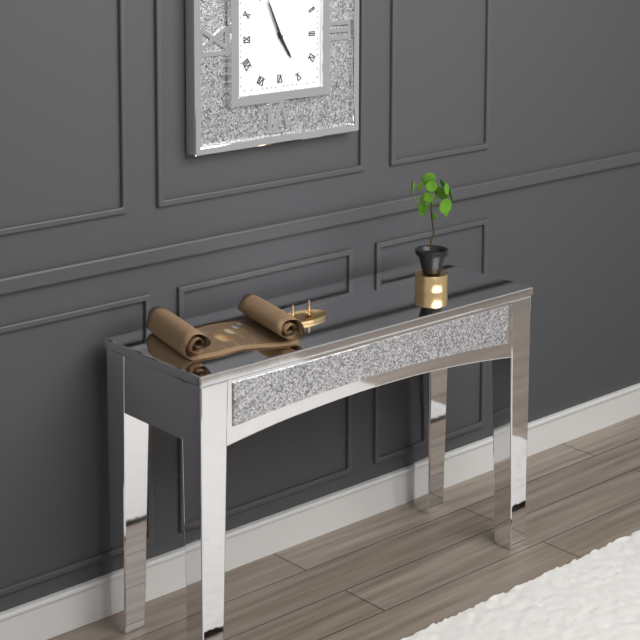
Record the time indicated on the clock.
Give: 4:56
